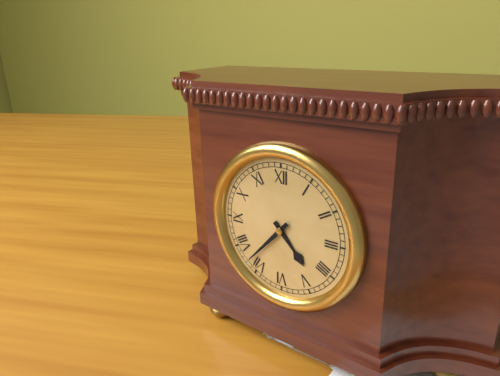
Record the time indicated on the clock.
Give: 4:37
